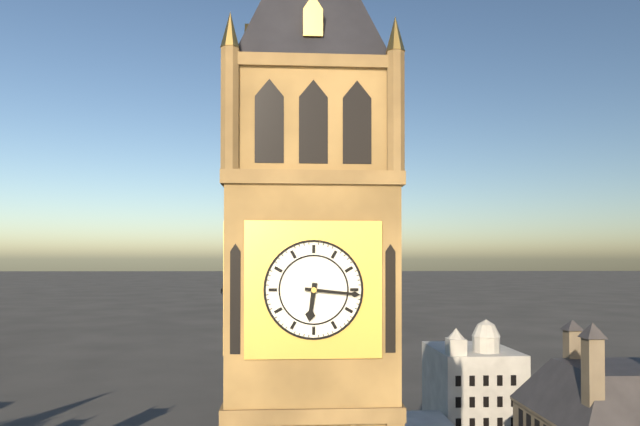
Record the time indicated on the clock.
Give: 6:16
